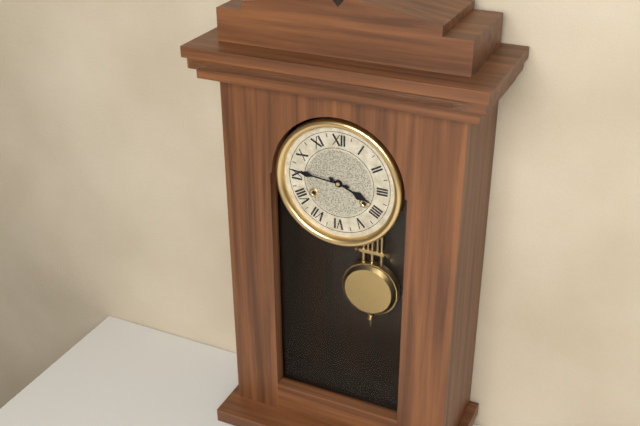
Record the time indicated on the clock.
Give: 3:46
